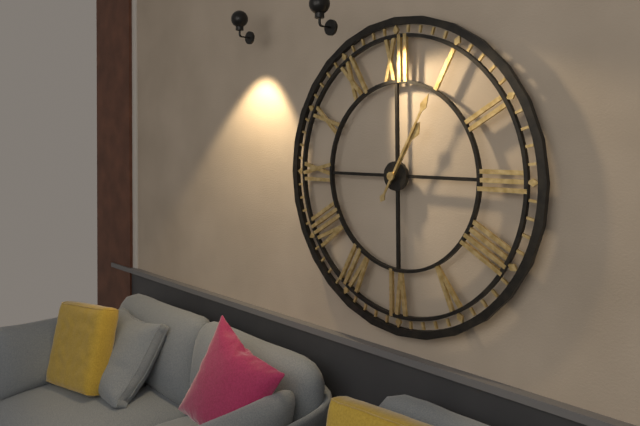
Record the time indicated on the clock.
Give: 1:05
